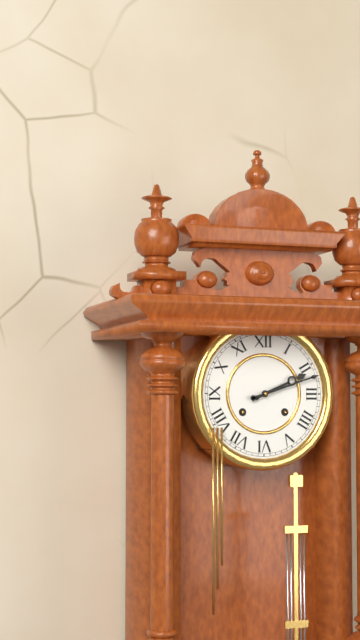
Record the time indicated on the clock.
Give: 2:12
